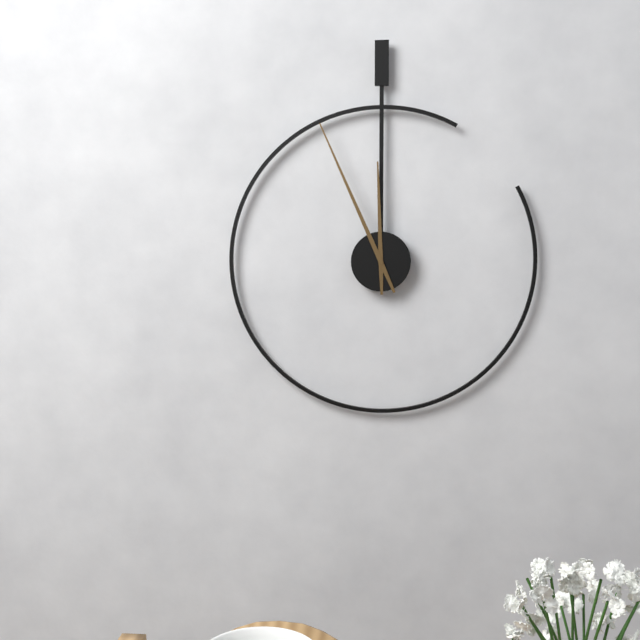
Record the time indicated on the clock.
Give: 11:56
